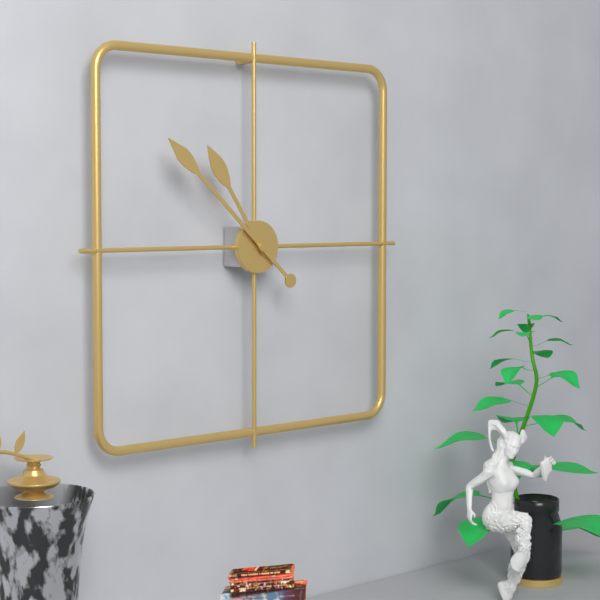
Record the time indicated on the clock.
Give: 10:52
